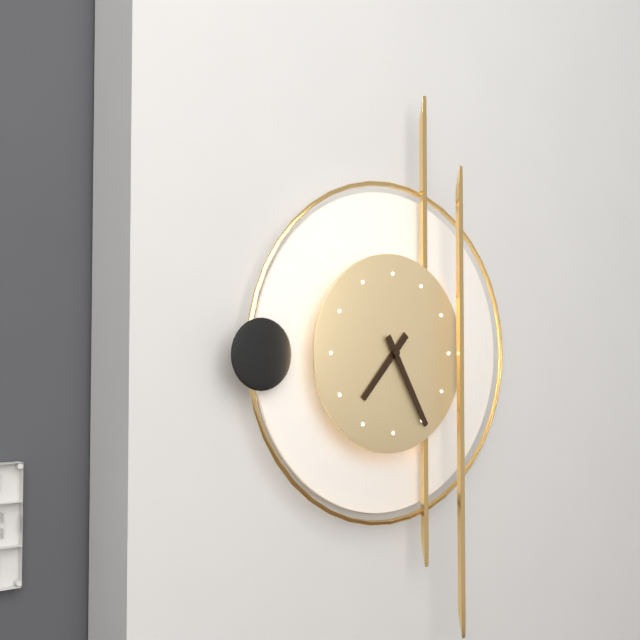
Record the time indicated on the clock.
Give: 7:25
